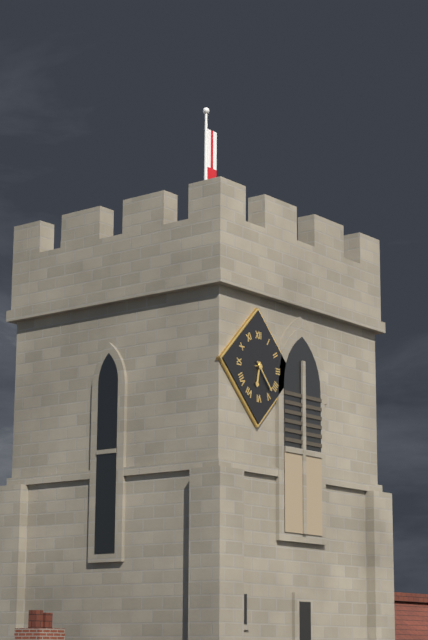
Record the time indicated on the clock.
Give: 6:23
